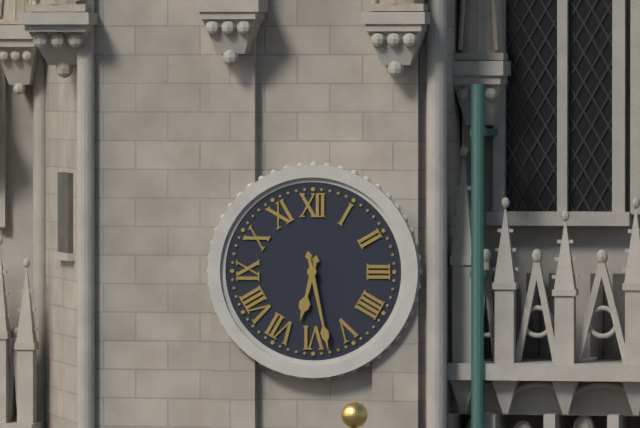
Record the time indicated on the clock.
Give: 6:28
